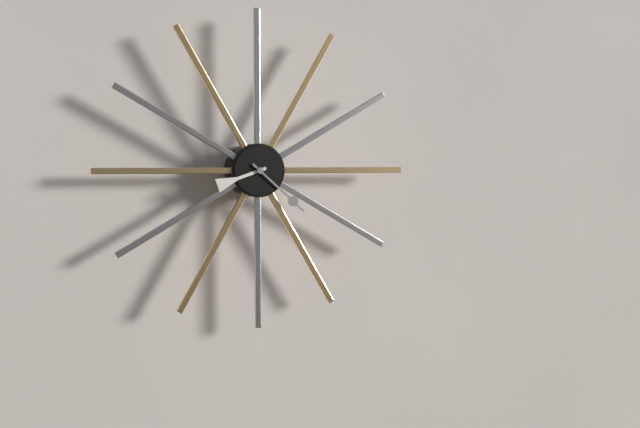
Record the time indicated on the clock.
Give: 8:22
